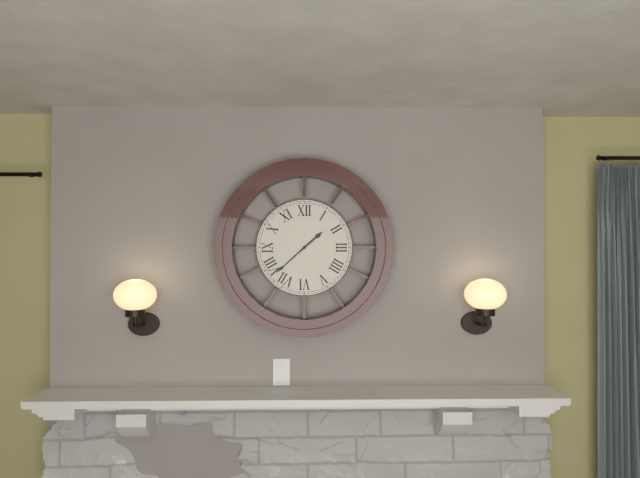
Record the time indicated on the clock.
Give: 1:38
